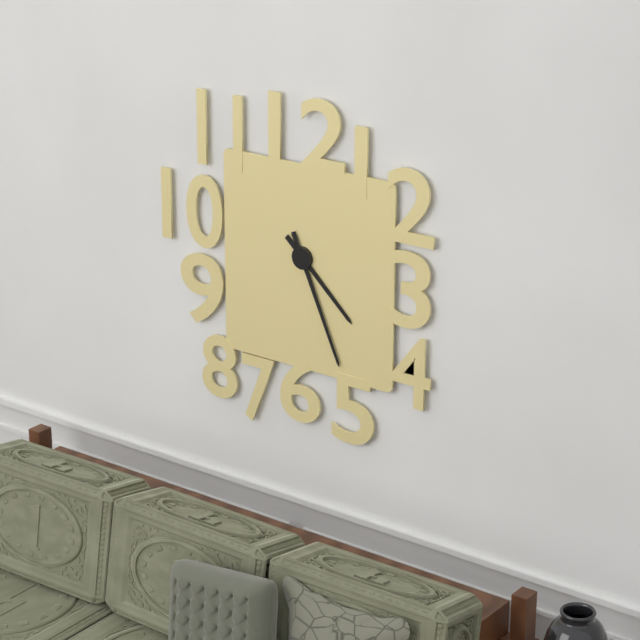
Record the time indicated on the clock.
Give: 4:26
